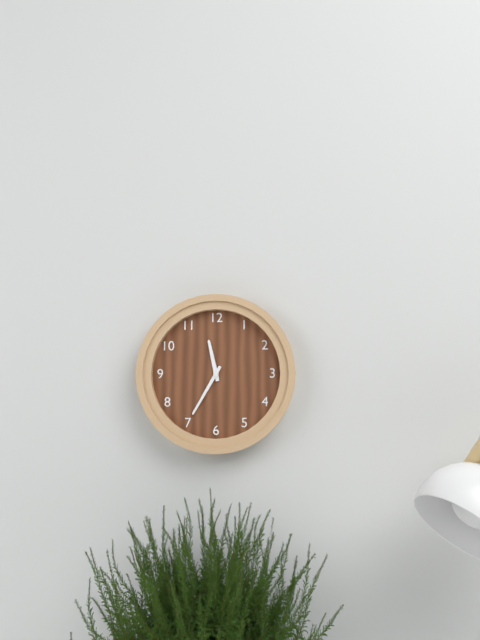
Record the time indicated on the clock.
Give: 11:35
